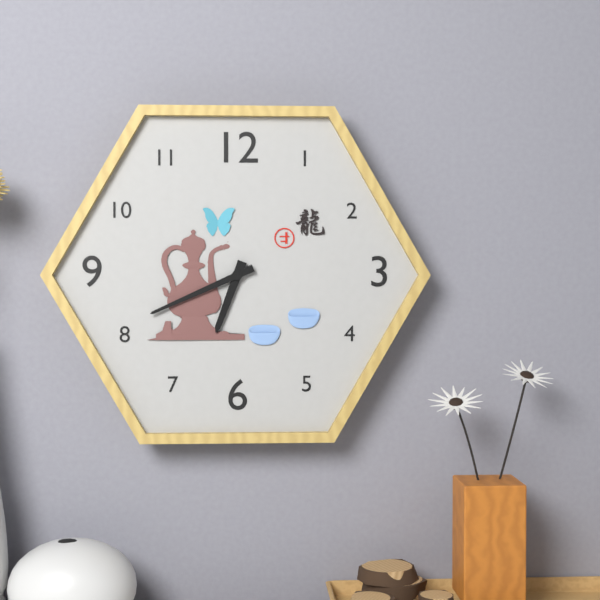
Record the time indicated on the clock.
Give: 6:41
